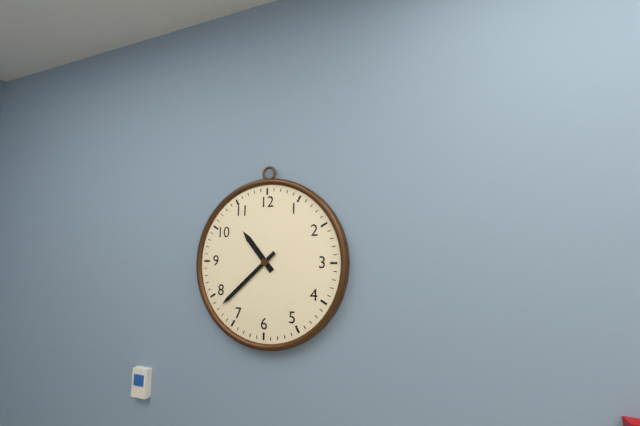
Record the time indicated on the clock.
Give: 10:38
